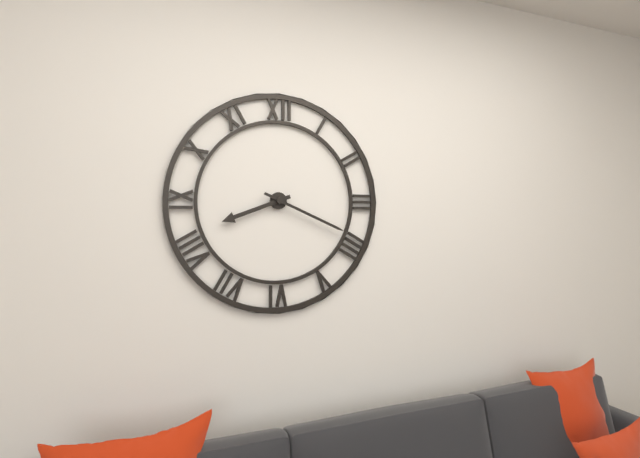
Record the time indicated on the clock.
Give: 8:19
